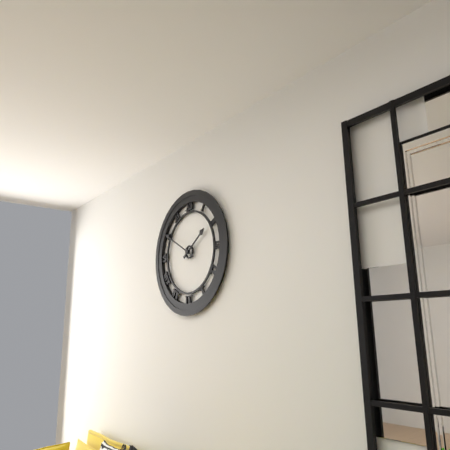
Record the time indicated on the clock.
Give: 1:50
